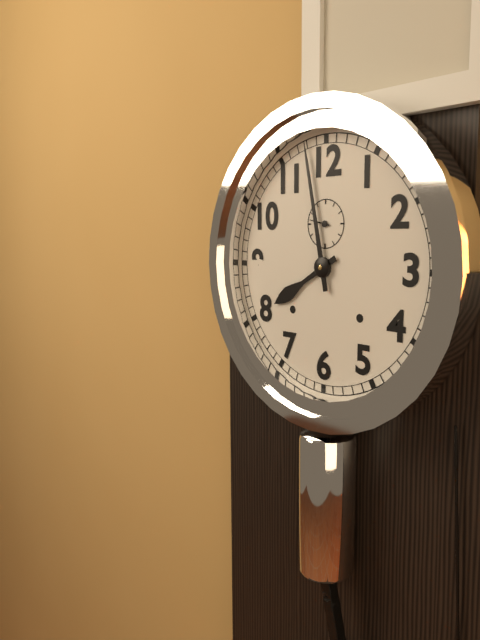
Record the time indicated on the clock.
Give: 7:58
